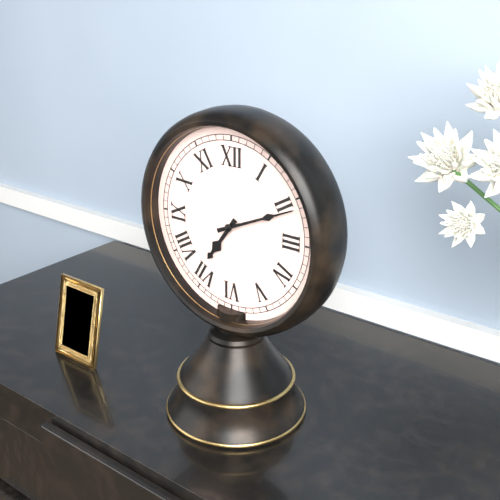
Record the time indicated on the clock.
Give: 7:11
